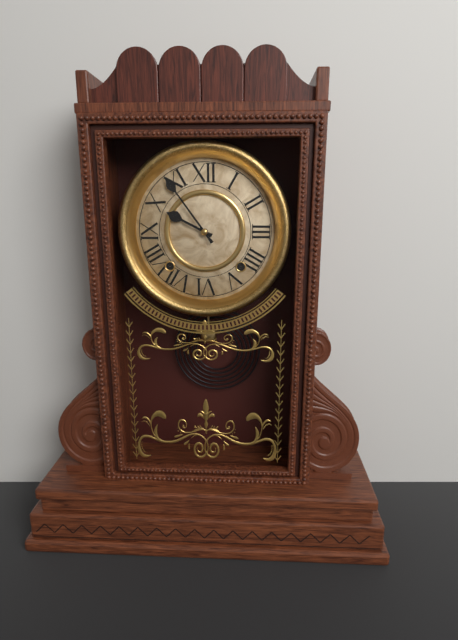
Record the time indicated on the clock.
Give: 9:54
